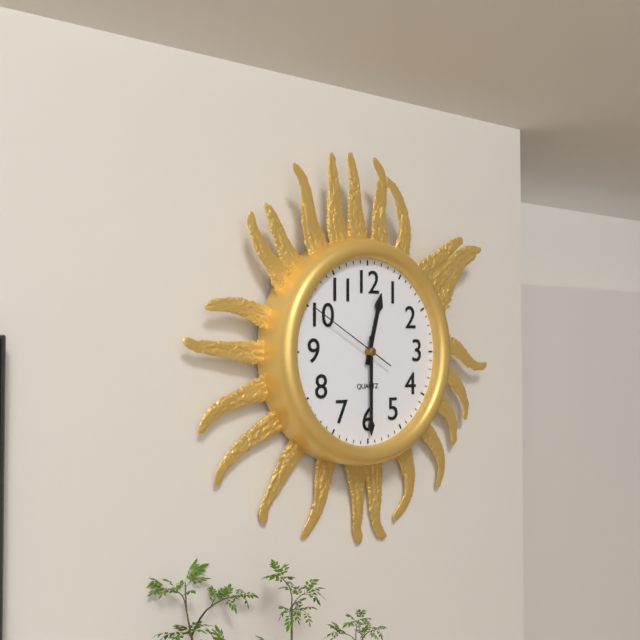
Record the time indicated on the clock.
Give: 12:30:50
